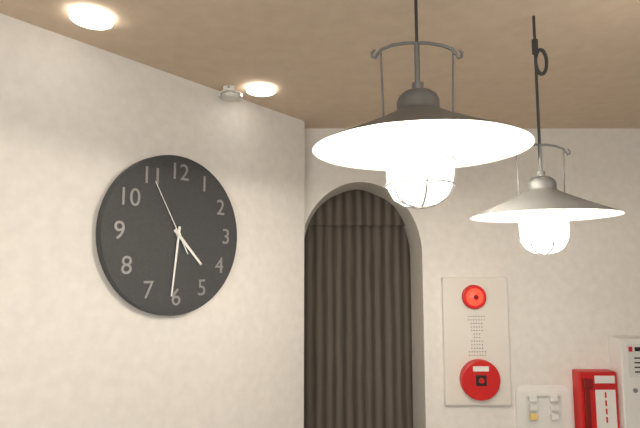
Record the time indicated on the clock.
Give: 4:31:55
